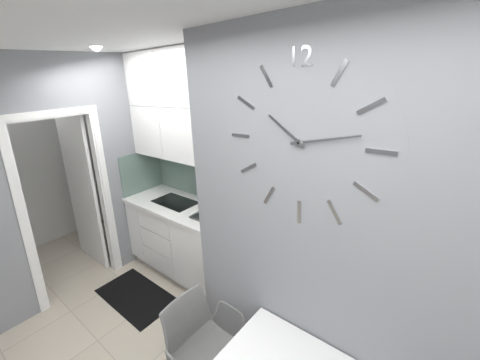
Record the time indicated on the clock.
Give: 10:13
